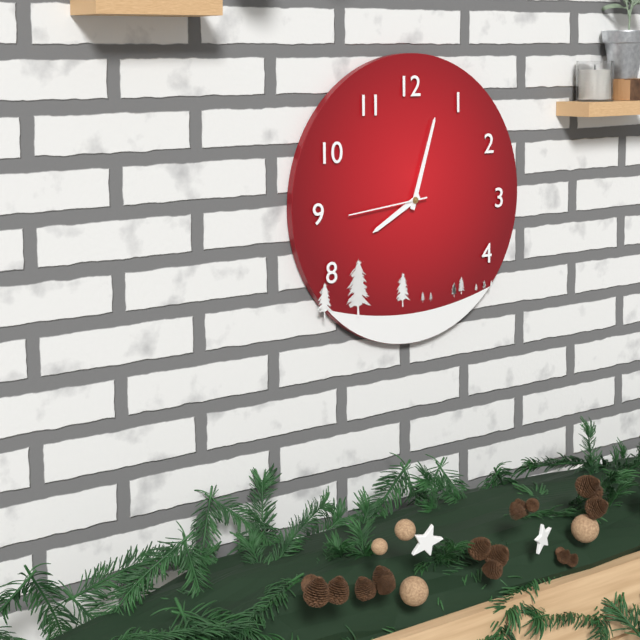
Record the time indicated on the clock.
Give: 8:03:44
